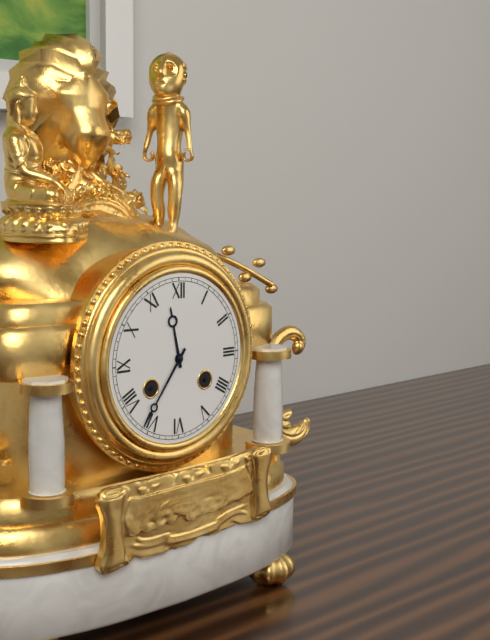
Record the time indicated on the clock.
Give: 11:36
